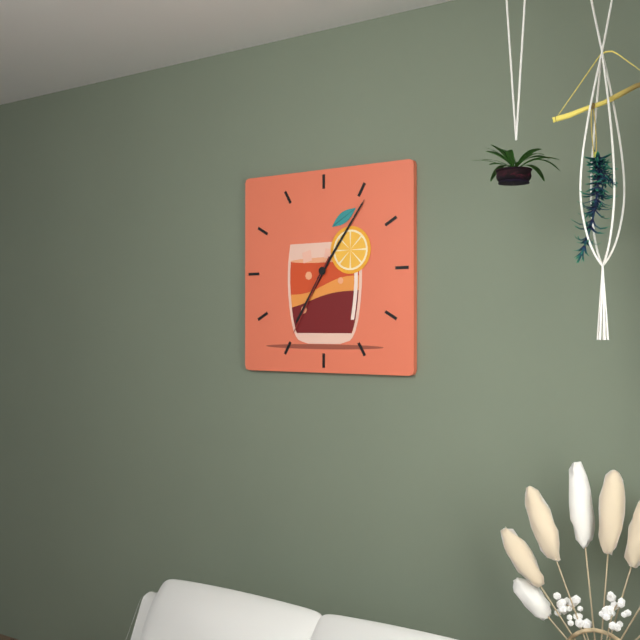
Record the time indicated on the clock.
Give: 7:06:35
